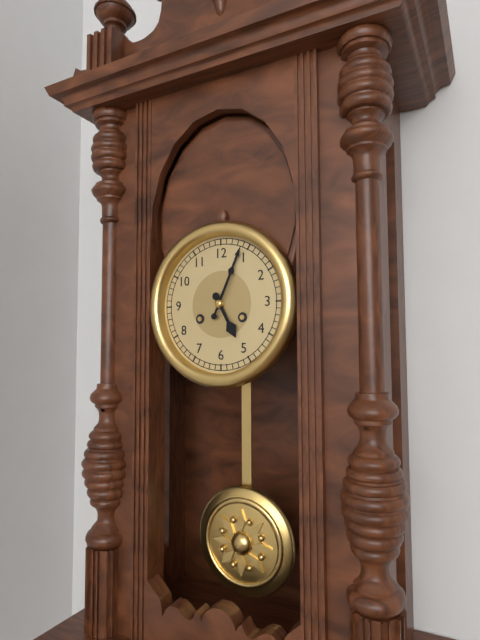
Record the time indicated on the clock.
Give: 5:04
